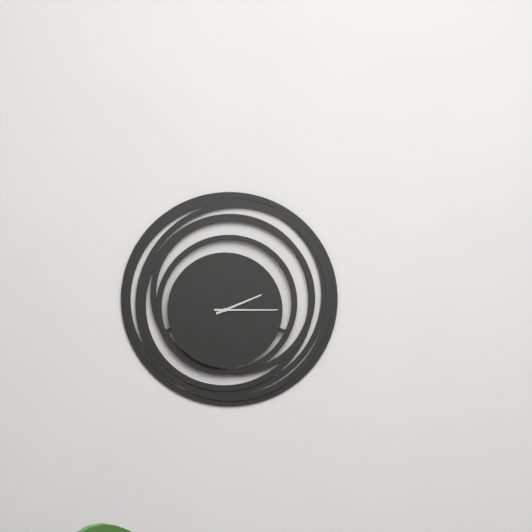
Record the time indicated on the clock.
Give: 2:15
